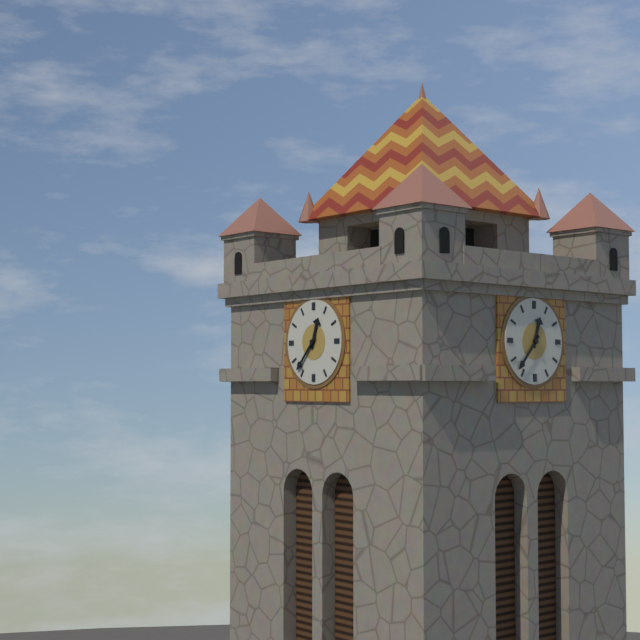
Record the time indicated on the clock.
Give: 12:37
